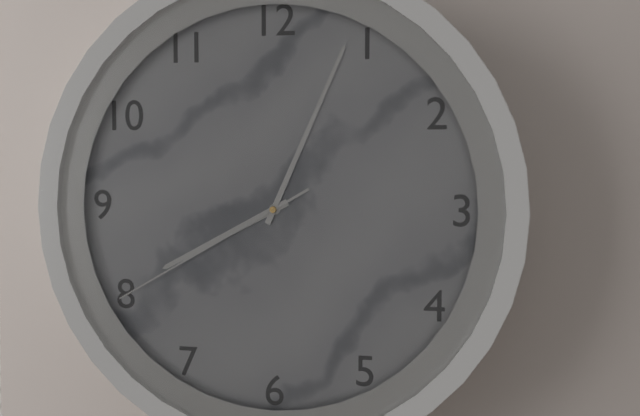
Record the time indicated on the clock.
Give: 8:04:40
